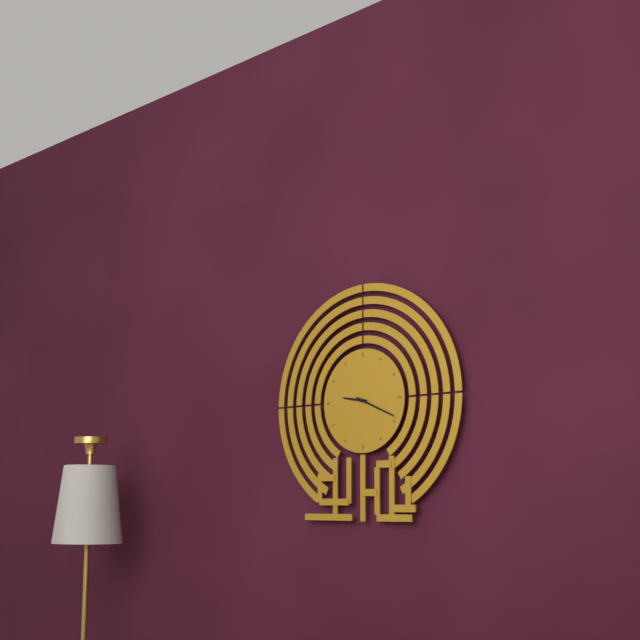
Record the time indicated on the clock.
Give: 9:19
